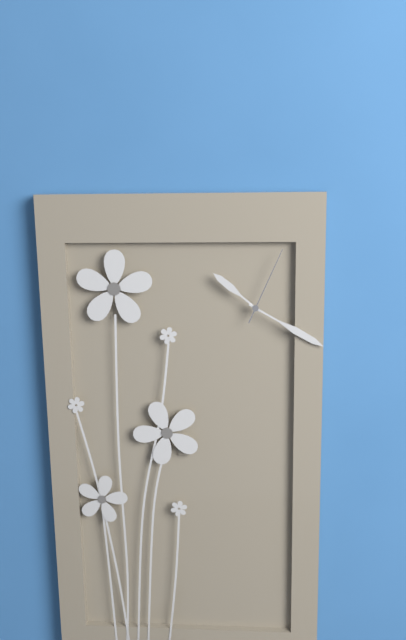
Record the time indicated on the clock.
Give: 10:20:04
